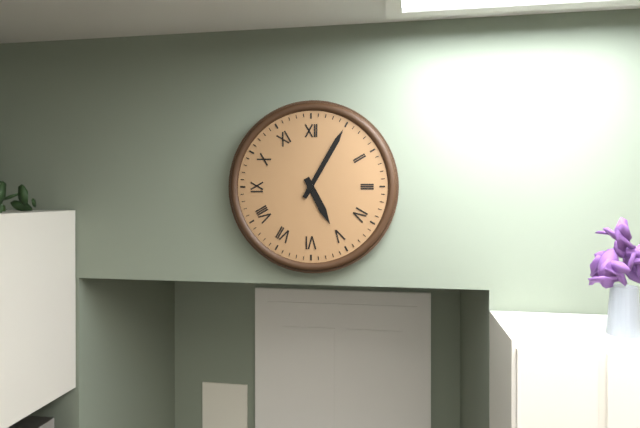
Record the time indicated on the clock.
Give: 5:05
